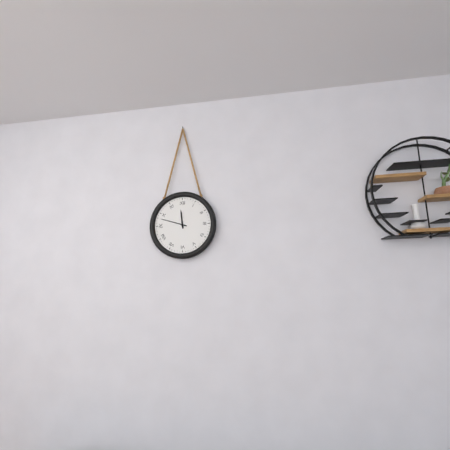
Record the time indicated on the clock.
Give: 11:48
